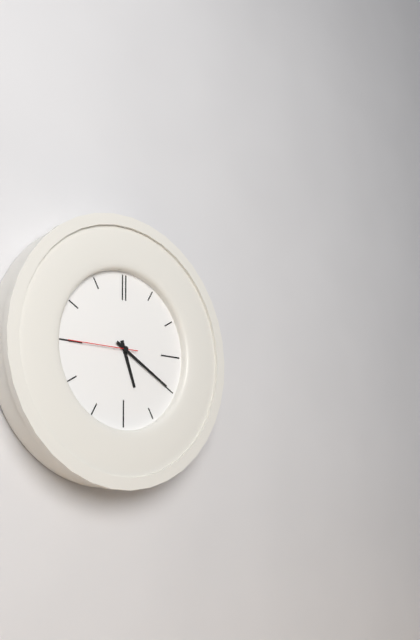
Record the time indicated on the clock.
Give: 5:20:45
